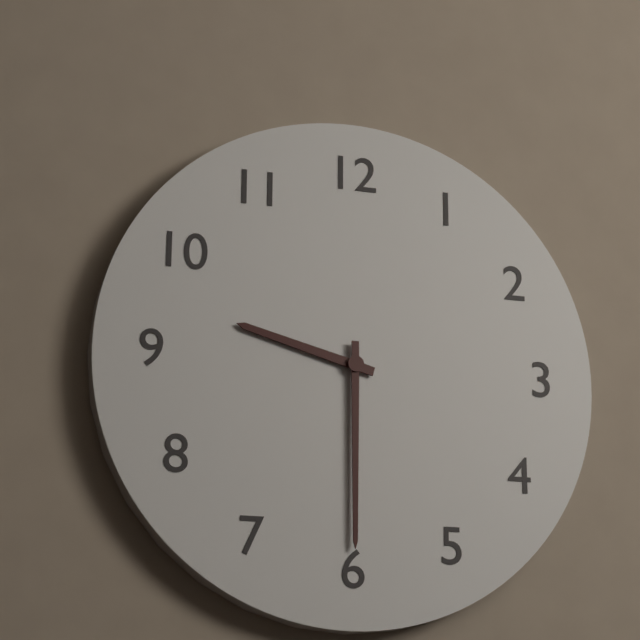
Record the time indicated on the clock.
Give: 9:30
